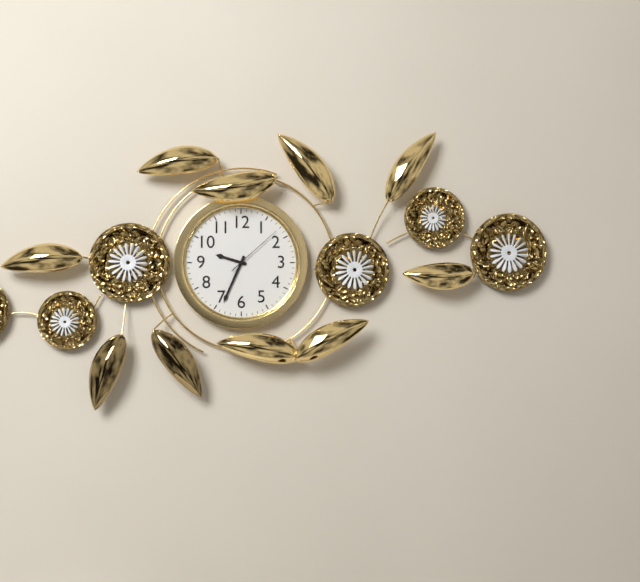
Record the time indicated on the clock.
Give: 9:34:08
